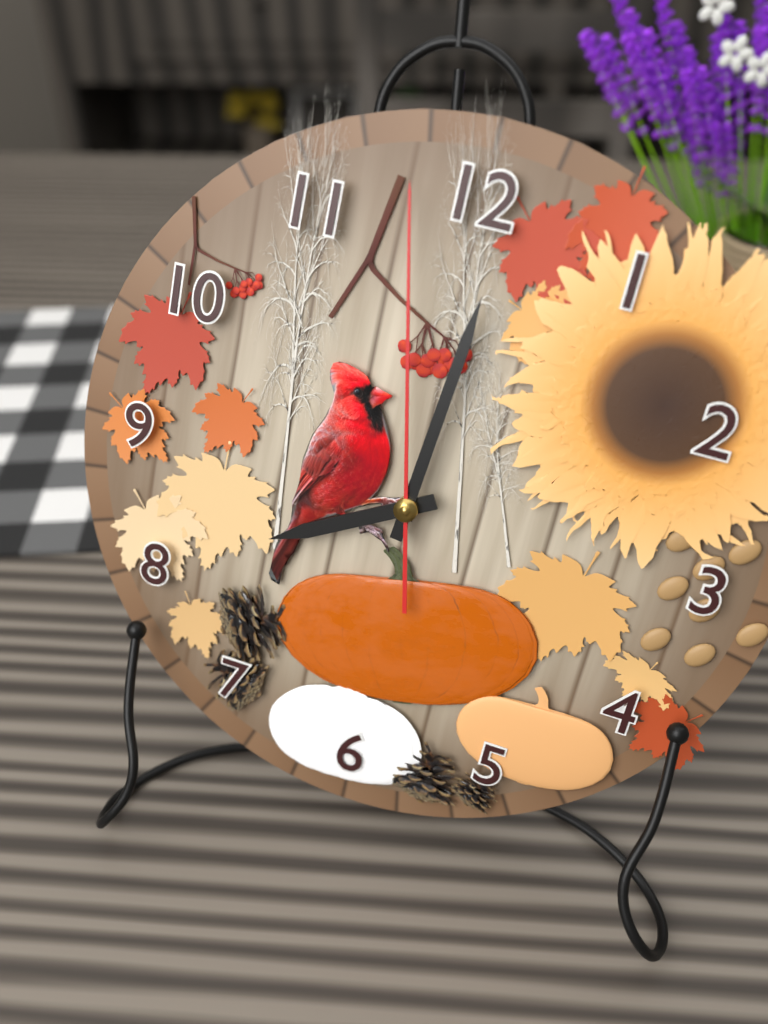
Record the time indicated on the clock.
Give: 8:01:58
